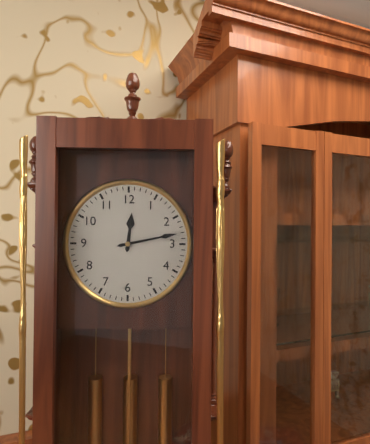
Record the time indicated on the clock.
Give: 12:13
